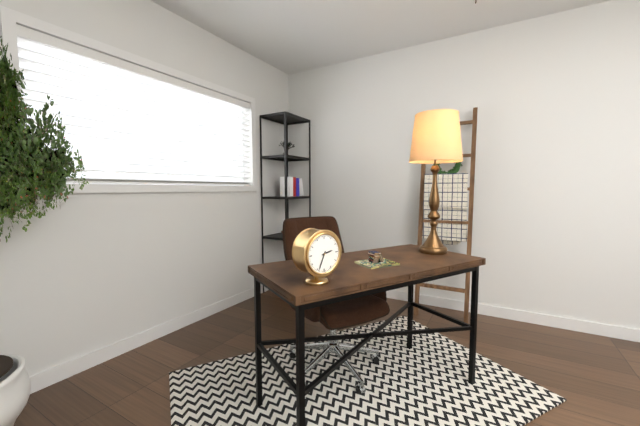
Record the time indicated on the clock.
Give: 2:34
